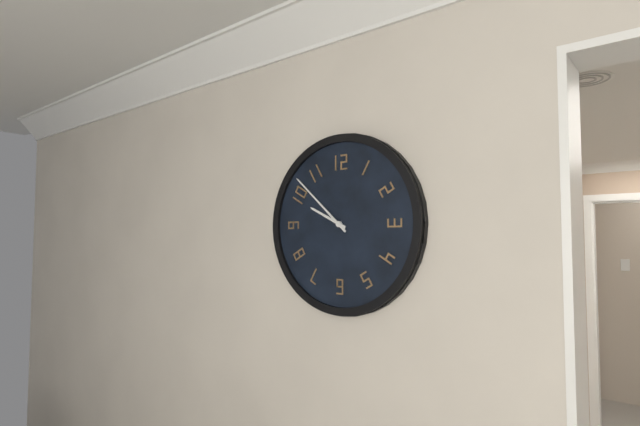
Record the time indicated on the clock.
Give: 9:52
